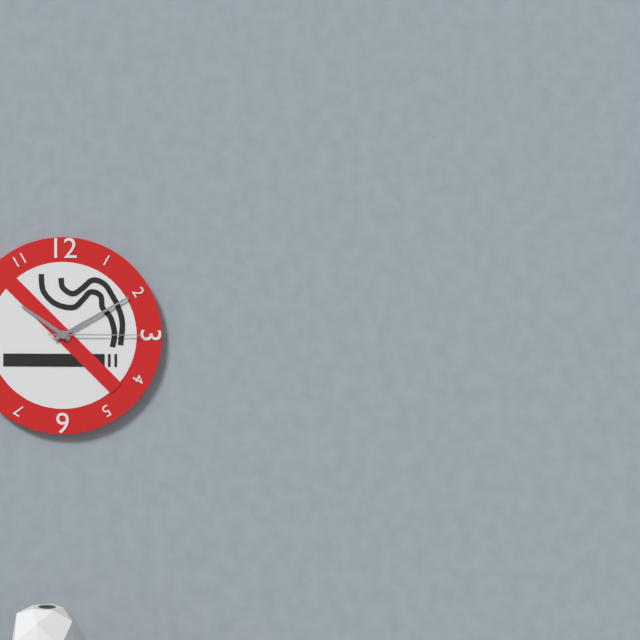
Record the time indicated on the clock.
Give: 10:10:15
